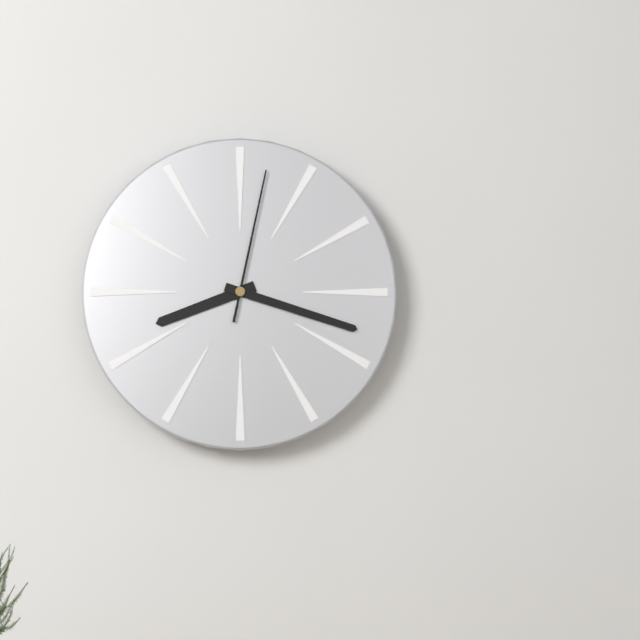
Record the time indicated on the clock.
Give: 8:18:02
